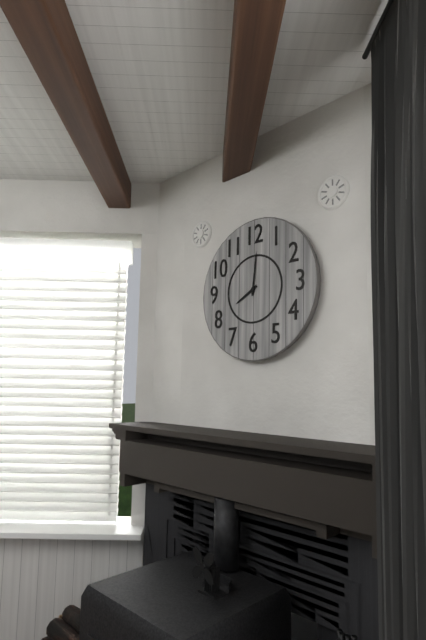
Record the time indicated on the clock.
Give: 8:01
